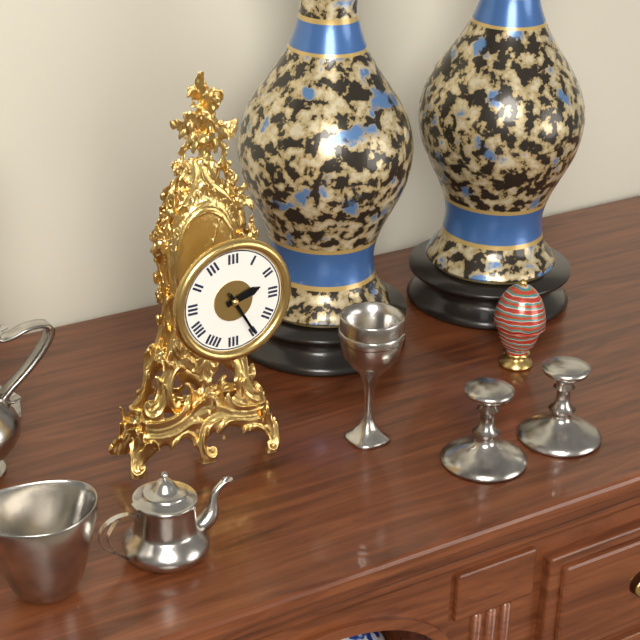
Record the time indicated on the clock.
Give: 2:25
